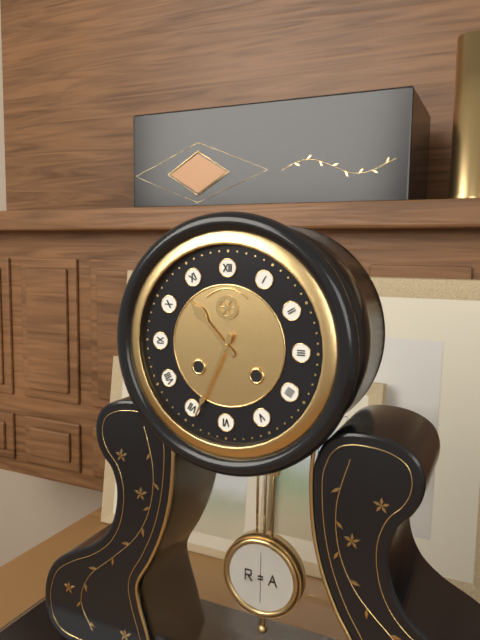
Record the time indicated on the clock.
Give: 10:34
